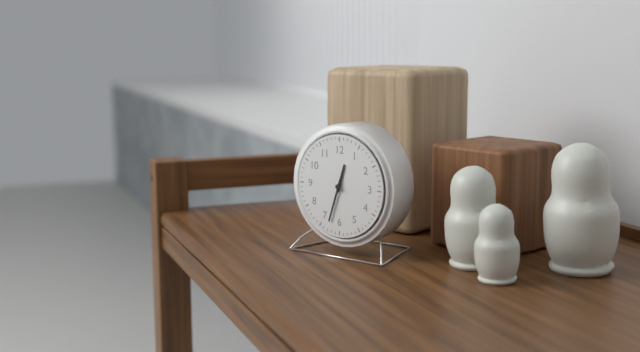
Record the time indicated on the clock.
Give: 12:33
